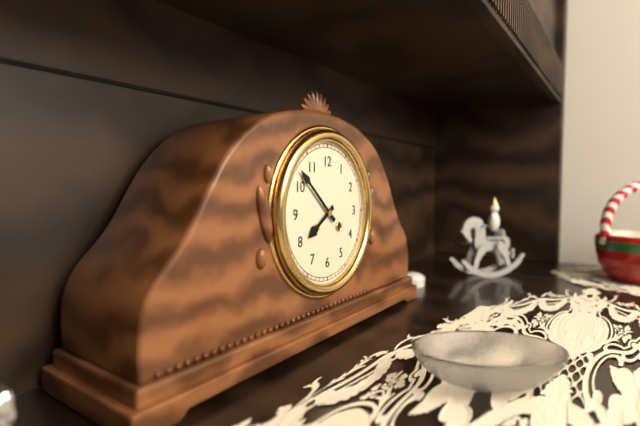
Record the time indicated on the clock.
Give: 7:52
